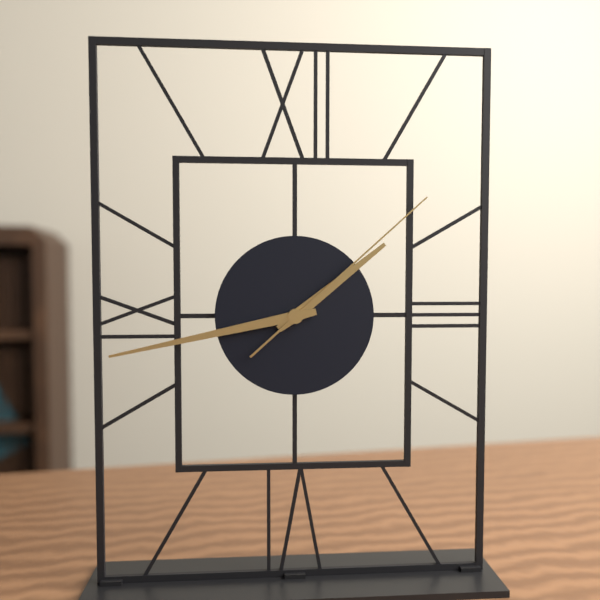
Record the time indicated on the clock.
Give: 1:43:08
